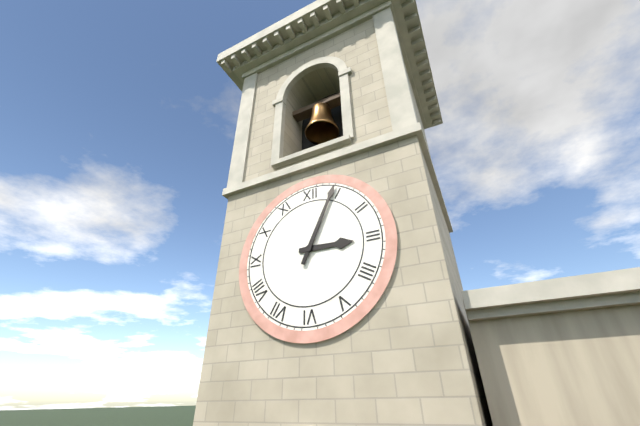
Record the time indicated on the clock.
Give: 3:04
